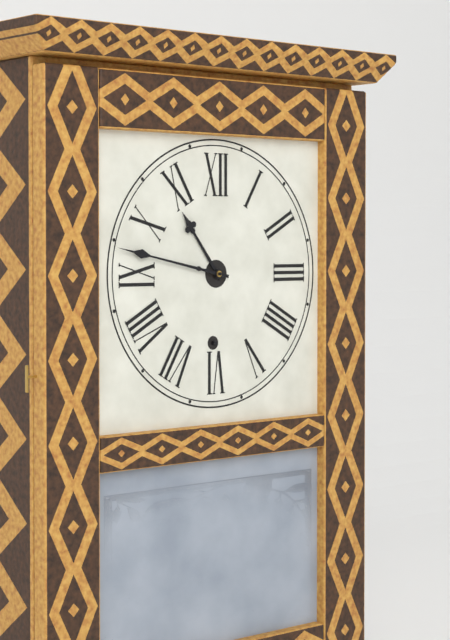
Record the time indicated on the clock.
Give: 10:47
